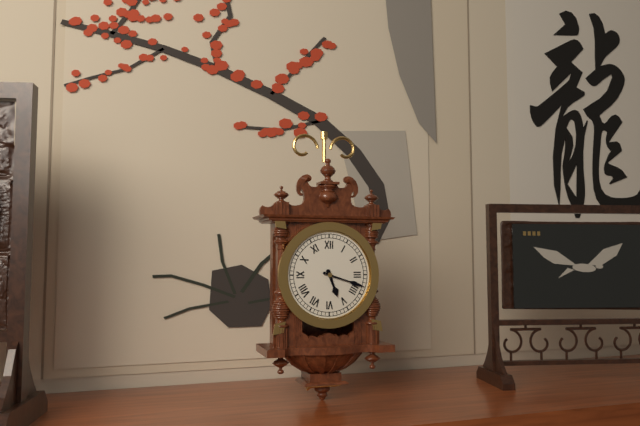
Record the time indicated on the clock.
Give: 5:18
